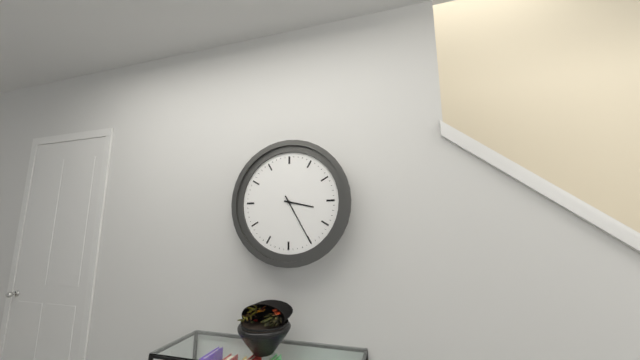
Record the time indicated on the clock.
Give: 3:25
